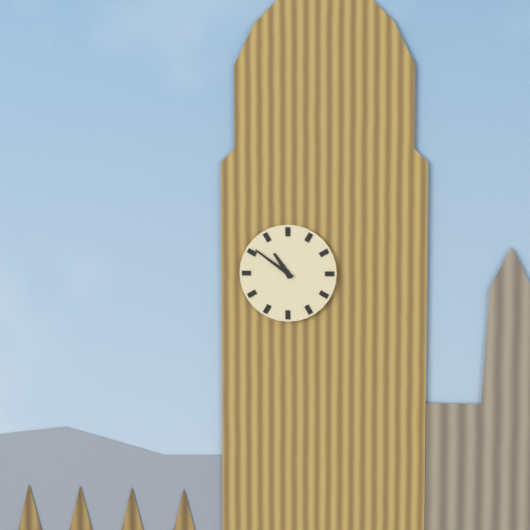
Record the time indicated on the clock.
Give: 10:51
